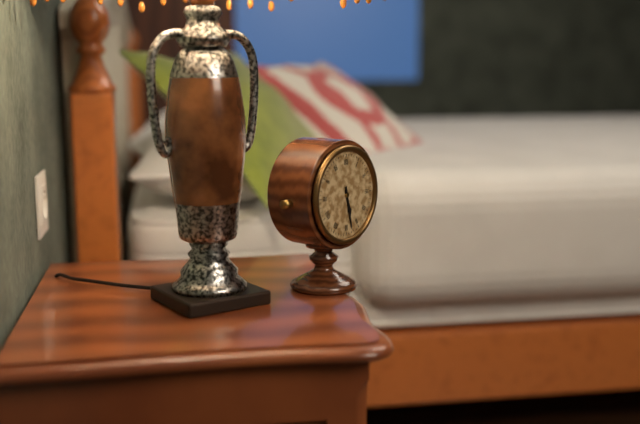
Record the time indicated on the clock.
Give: 5:28
